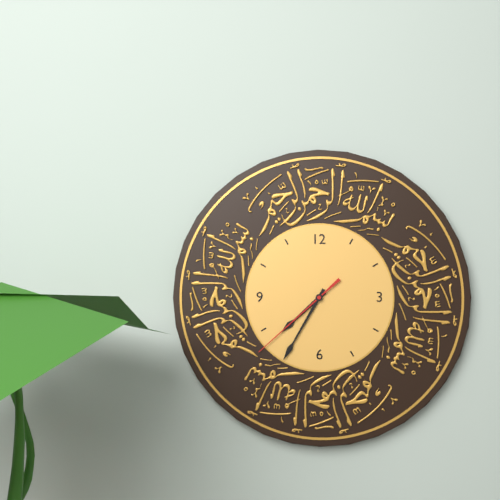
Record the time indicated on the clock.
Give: 7:35:38
